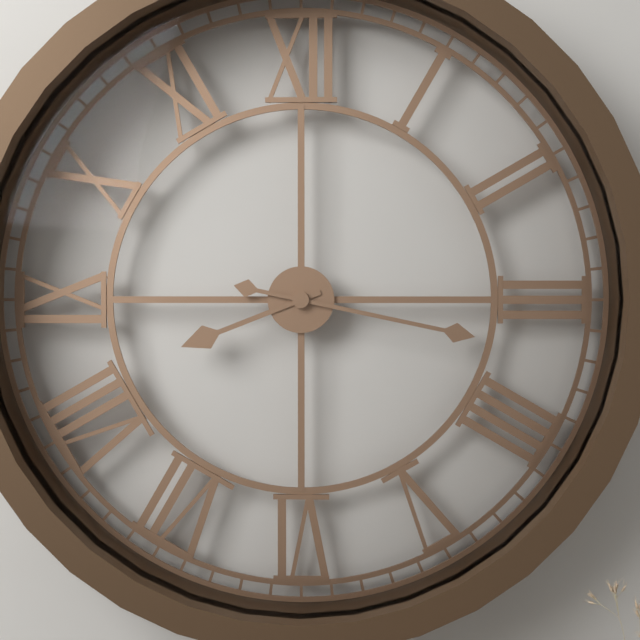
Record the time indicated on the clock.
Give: 8:17
